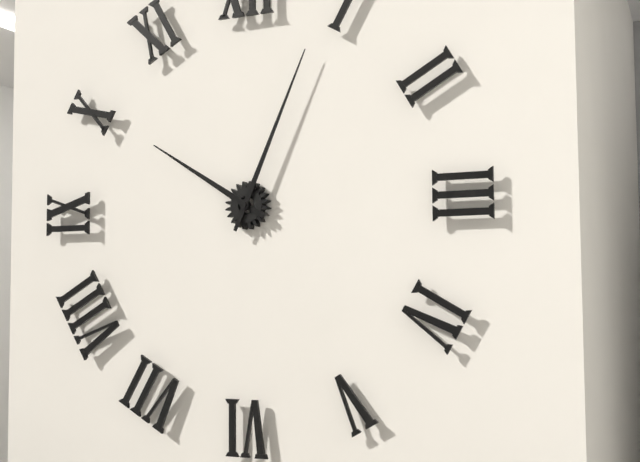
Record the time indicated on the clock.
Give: 10:04
